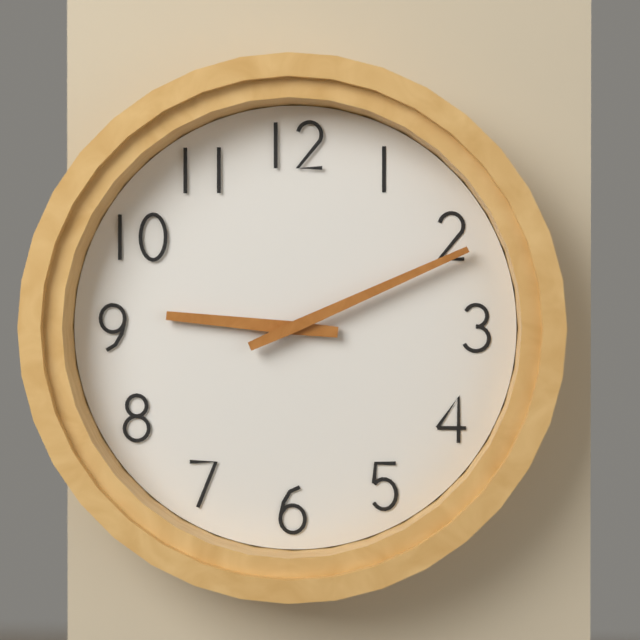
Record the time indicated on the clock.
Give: 9:11
